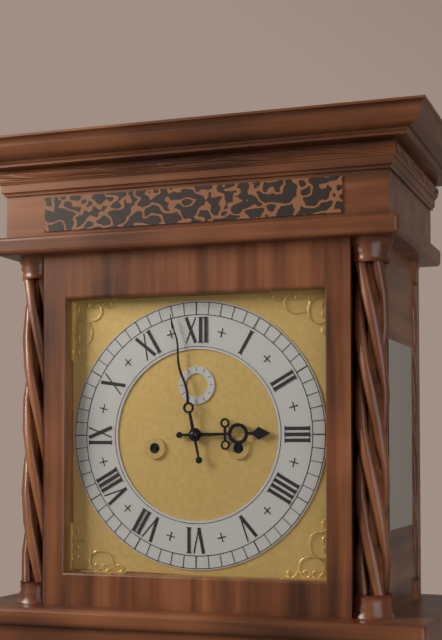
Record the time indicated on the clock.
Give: 2:58
